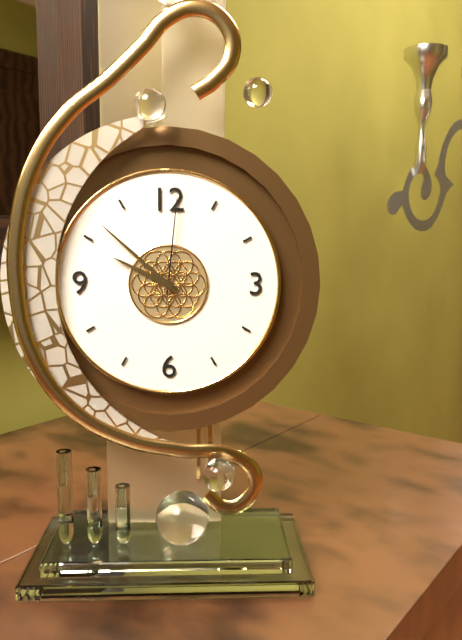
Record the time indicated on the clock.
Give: 9:52:01
